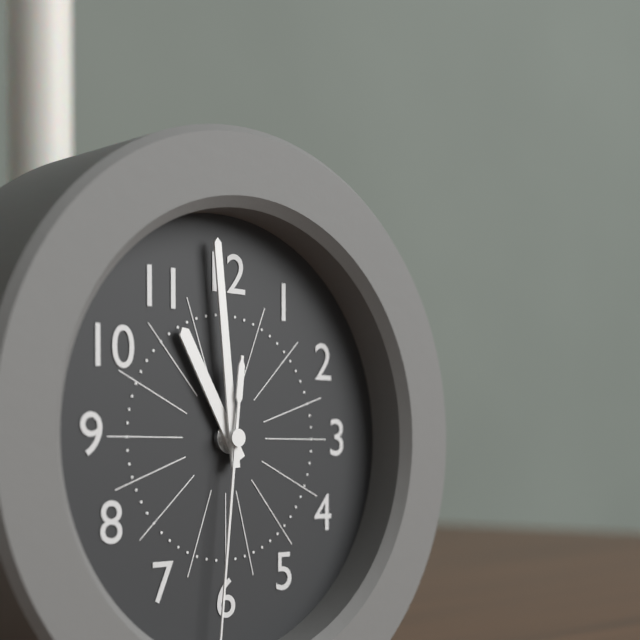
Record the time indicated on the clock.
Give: 10:59
